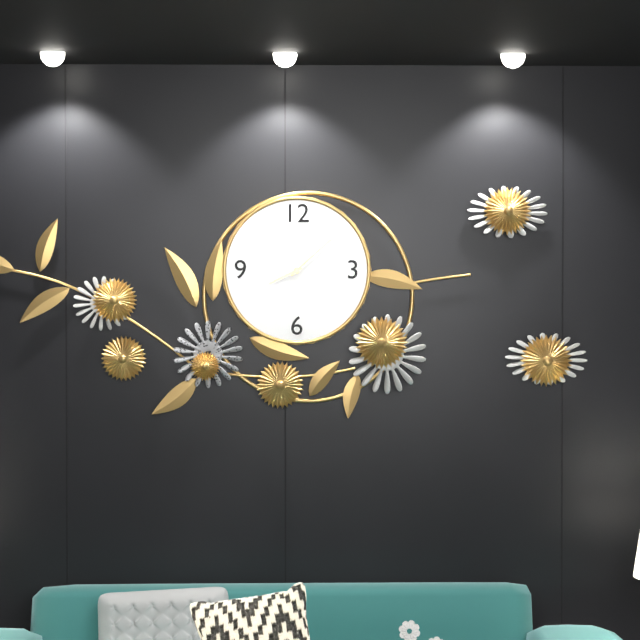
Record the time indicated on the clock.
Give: 8:08
